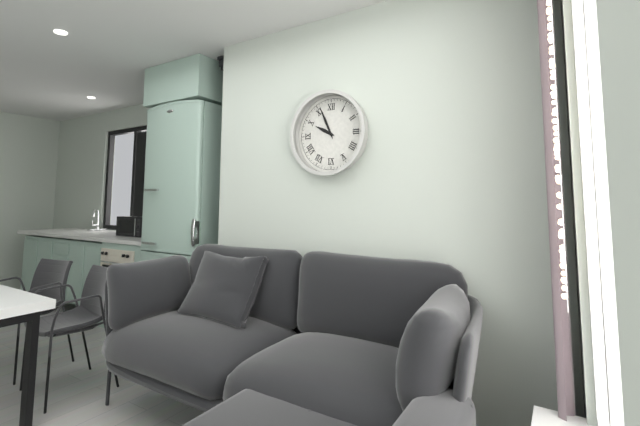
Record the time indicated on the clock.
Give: 9:56
